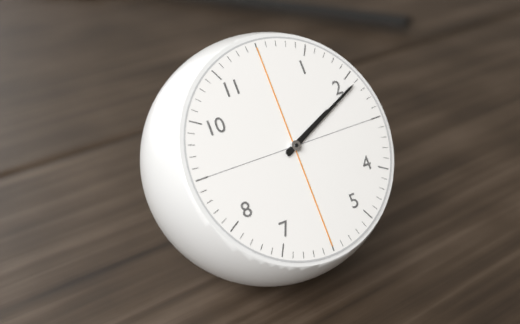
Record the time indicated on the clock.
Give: 2:11
